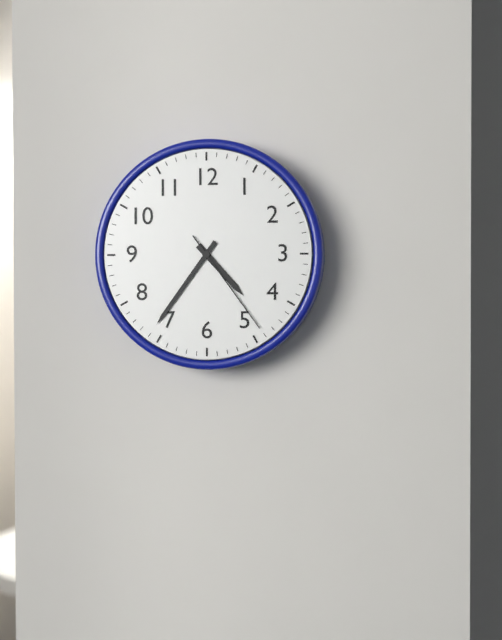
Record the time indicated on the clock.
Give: 4:36:24
